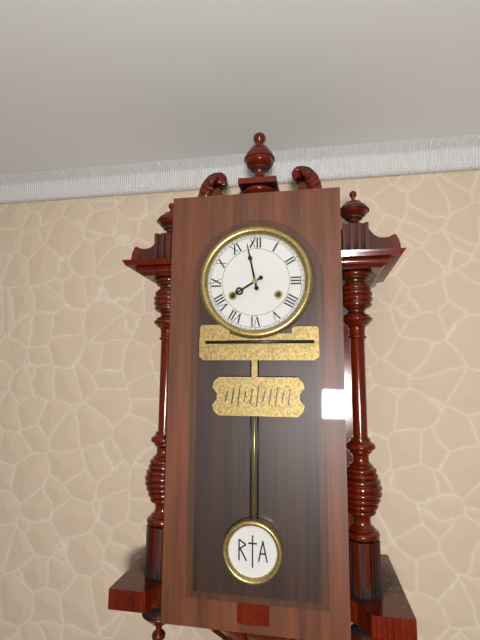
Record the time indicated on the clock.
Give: 7:58
